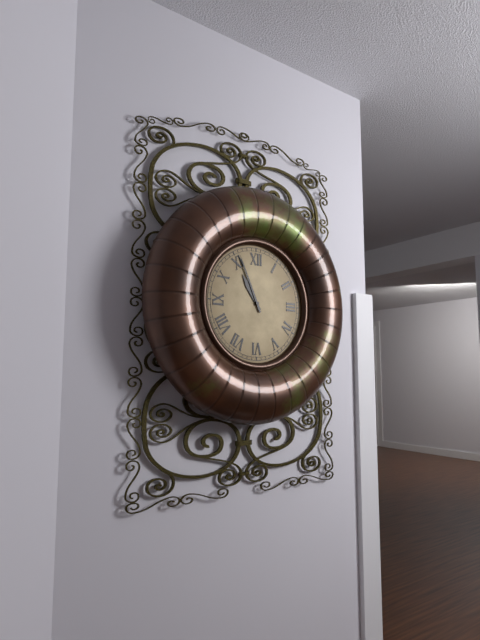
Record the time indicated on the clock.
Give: 10:56
